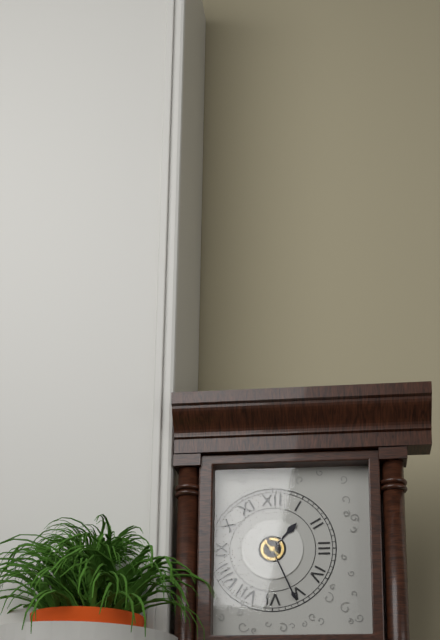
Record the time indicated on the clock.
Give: 1:26
